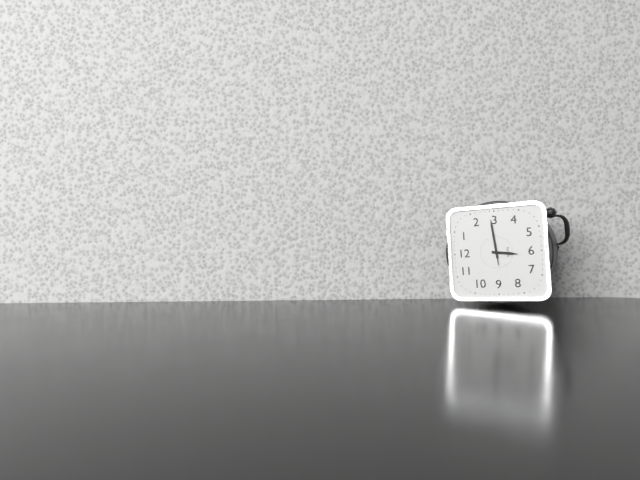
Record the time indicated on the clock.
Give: 6:14
